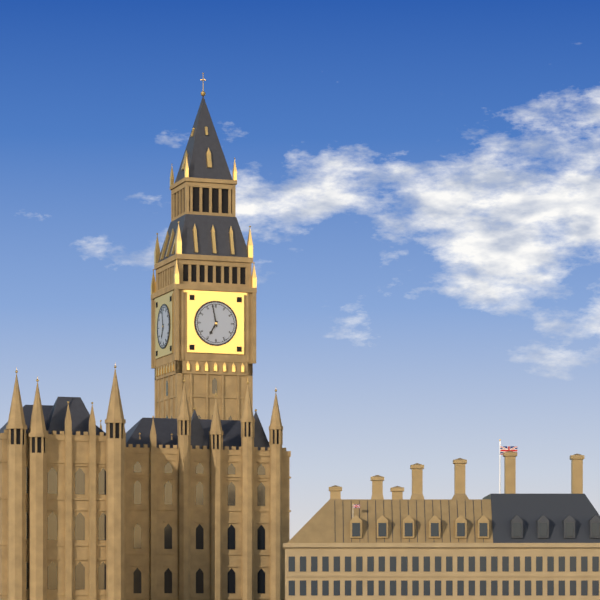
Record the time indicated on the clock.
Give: 6:58
